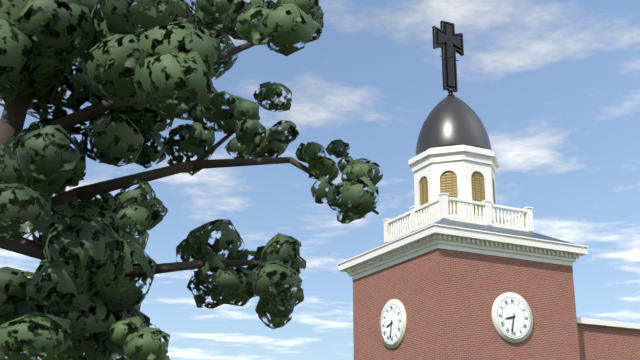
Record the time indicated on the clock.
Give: 8:32
